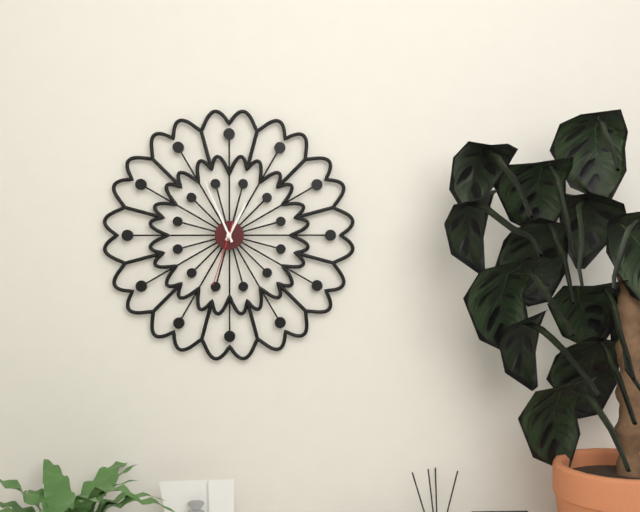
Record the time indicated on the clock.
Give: 12:56:33
